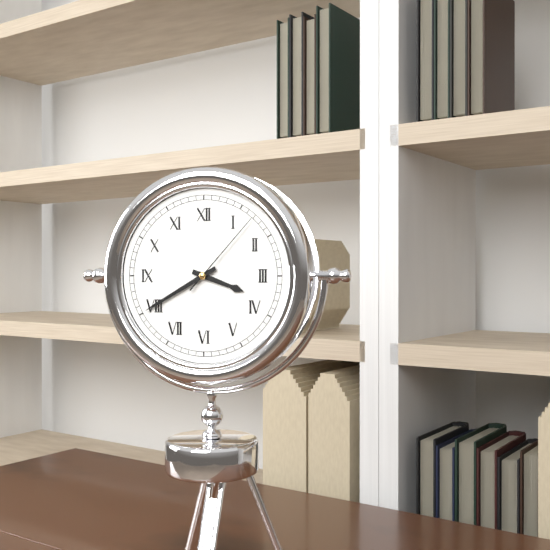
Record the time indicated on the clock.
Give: 3:40:07
